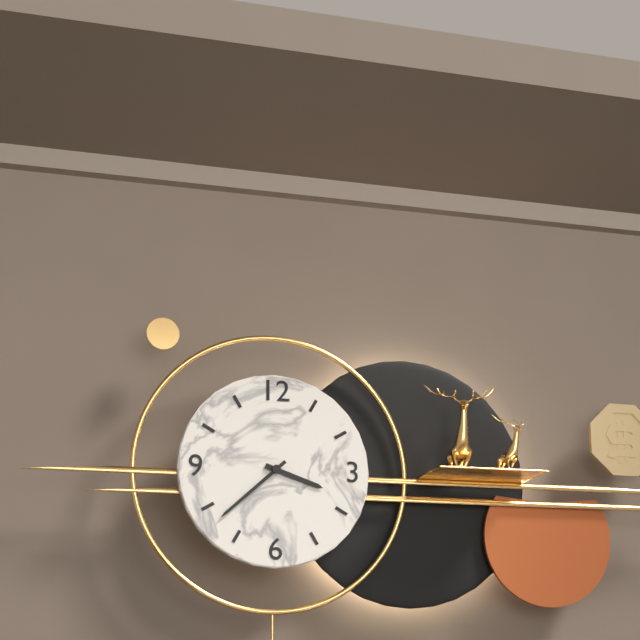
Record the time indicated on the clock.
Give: 3:38
